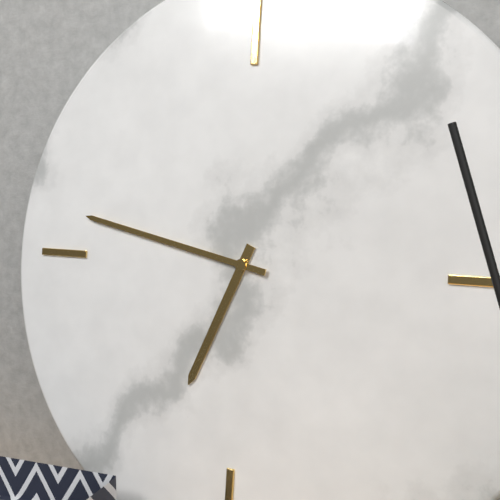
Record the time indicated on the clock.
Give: 6:47
